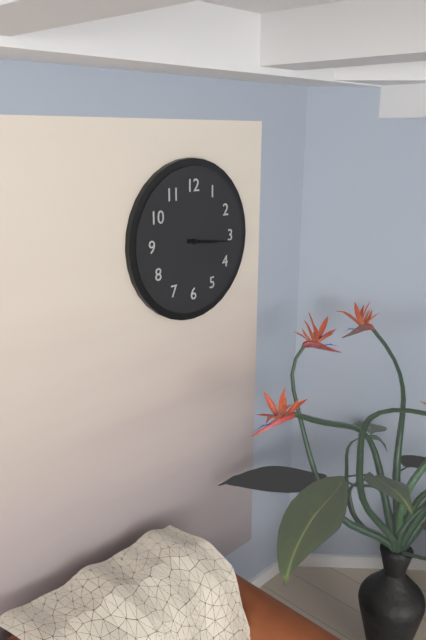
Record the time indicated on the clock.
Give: 3:16
